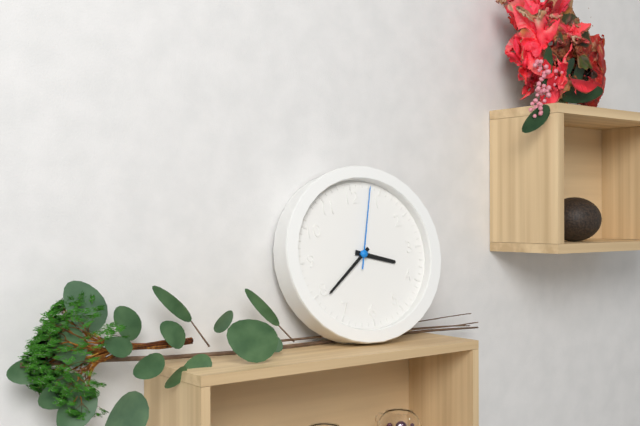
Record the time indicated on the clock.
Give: 3:39:03
